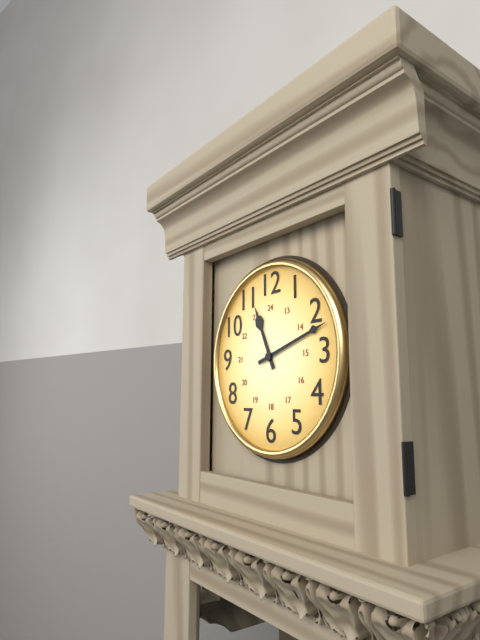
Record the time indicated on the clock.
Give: 11:12
